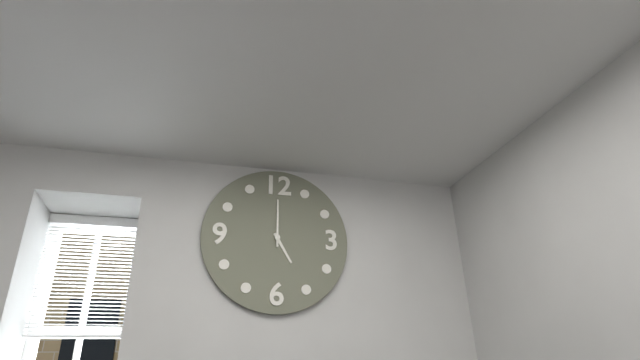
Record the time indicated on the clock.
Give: 5:00
